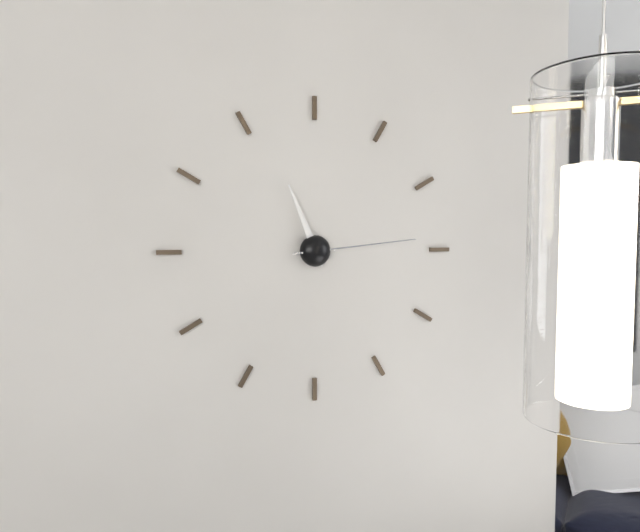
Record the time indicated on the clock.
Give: 11:14
